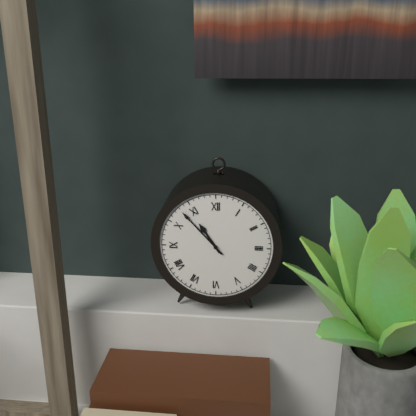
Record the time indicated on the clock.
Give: 10:53
